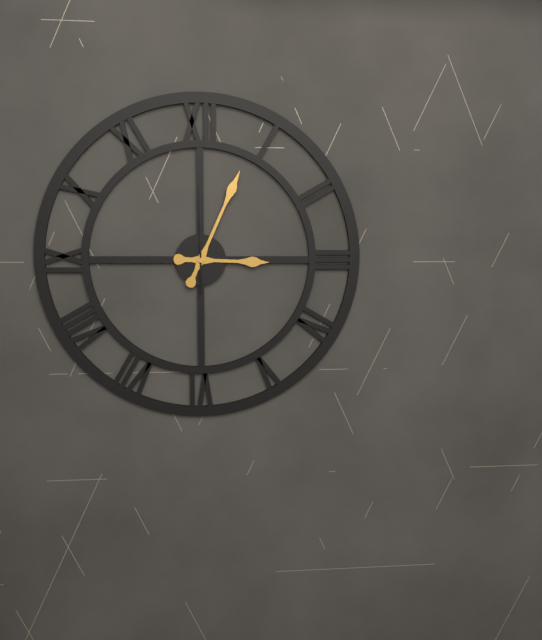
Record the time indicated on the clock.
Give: 3:04:00
